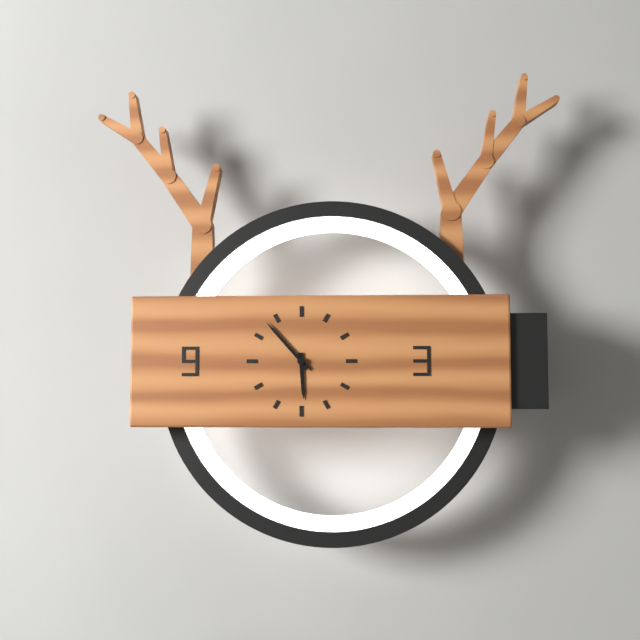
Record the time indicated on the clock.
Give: 5:53
